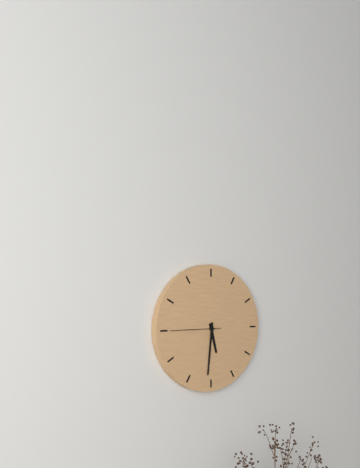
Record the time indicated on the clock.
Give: 5:31:45
